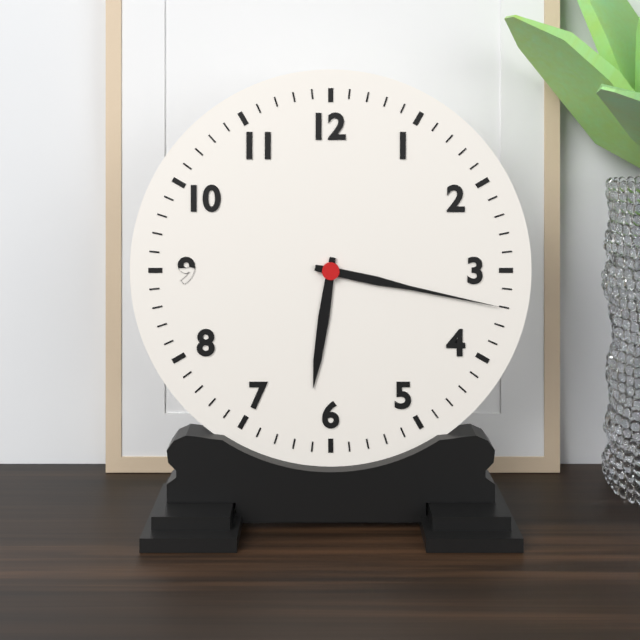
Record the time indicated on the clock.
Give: 6:17
